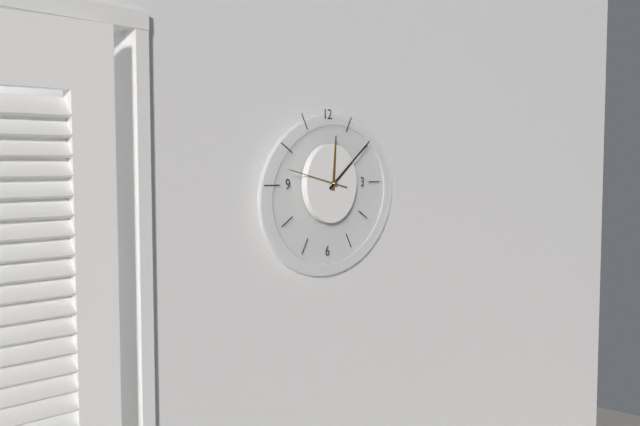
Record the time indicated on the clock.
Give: 12:09:47
